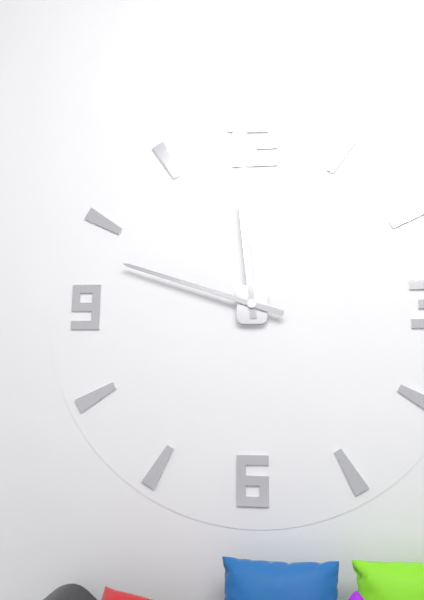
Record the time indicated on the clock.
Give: 11:48
